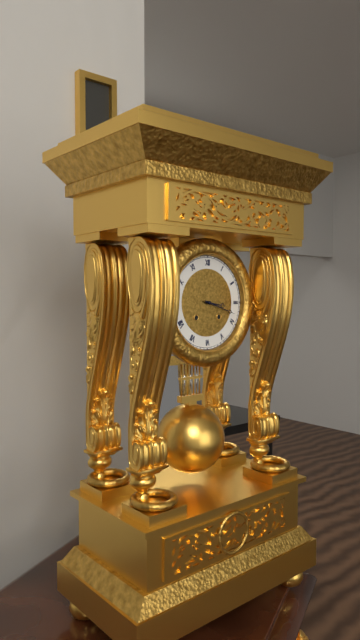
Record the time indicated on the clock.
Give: 3:18
